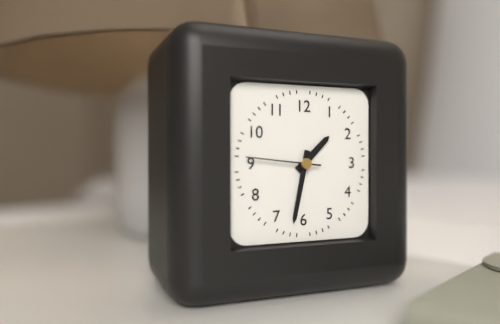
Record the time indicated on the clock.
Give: 1:32:46
